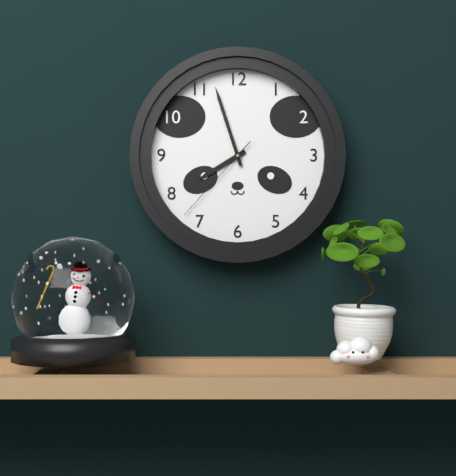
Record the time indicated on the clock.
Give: 7:57:37
